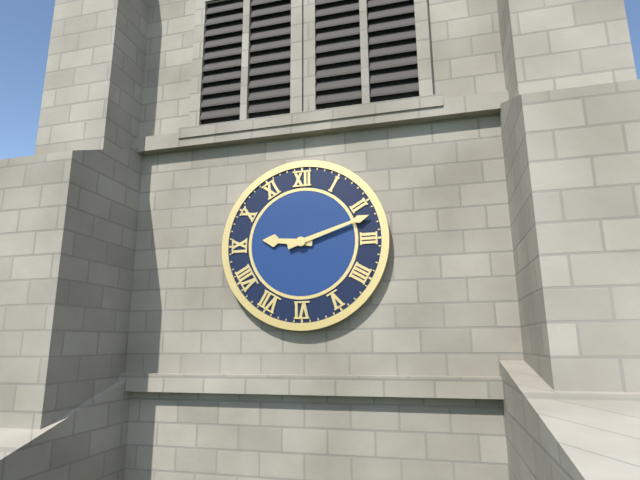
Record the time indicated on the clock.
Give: 9:12
